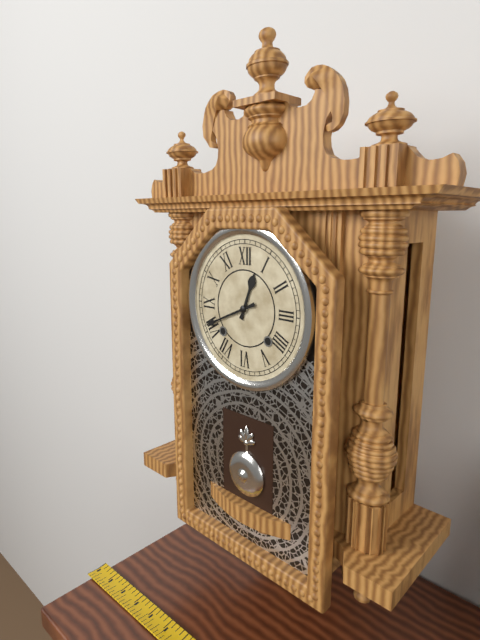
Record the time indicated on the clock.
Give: 12:41
